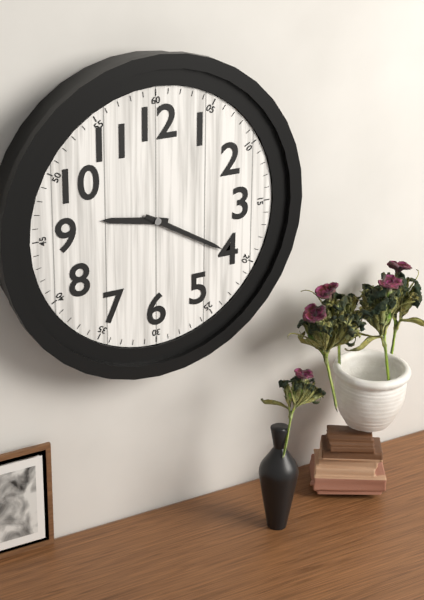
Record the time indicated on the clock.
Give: 9:20
